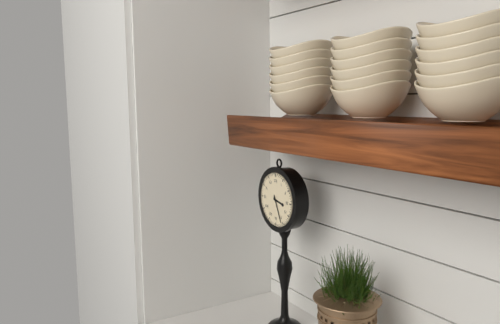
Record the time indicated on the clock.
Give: 3:26
